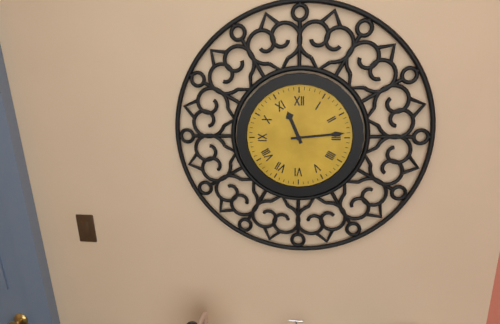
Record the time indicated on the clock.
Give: 11:14
